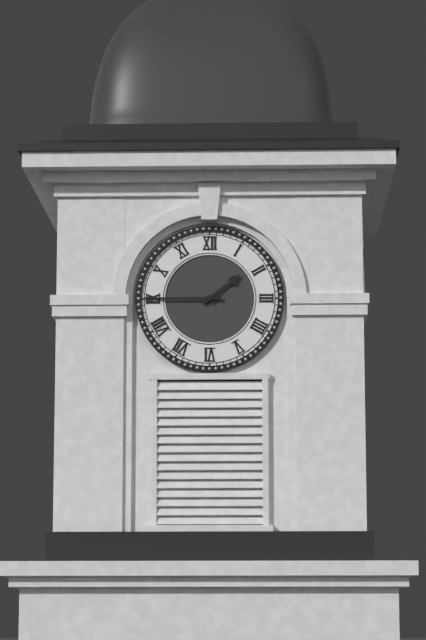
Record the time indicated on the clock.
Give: 1:45
